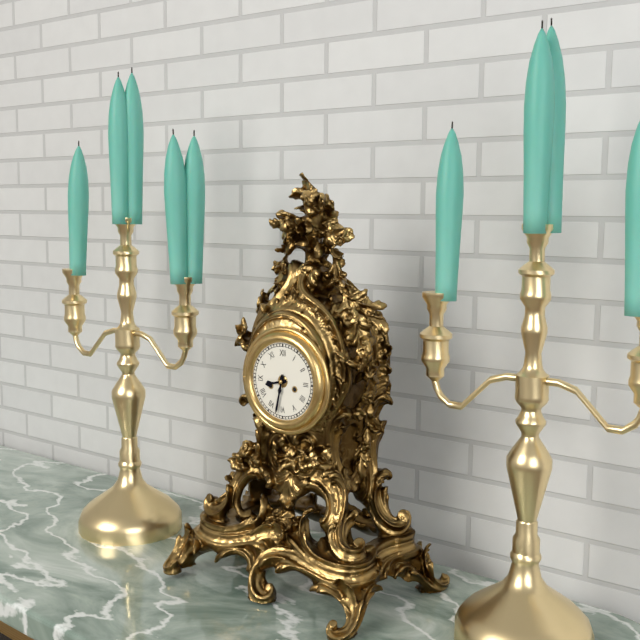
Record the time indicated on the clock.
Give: 8:32
